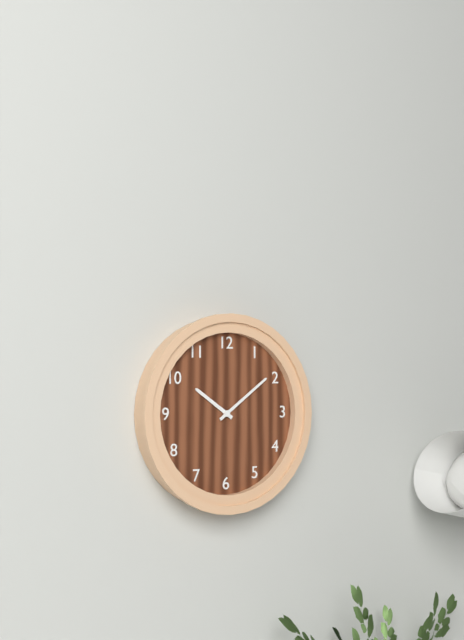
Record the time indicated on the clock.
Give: 10:09
